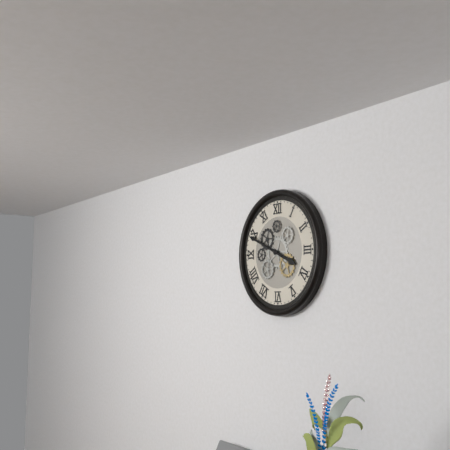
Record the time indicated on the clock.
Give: 3:49
